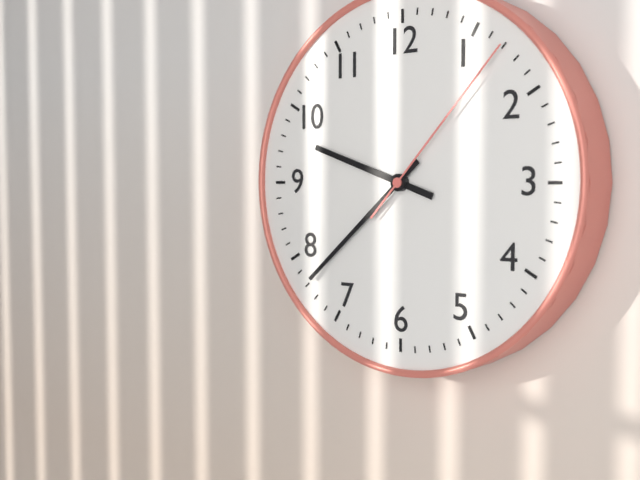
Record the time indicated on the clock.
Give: 9:38:07
